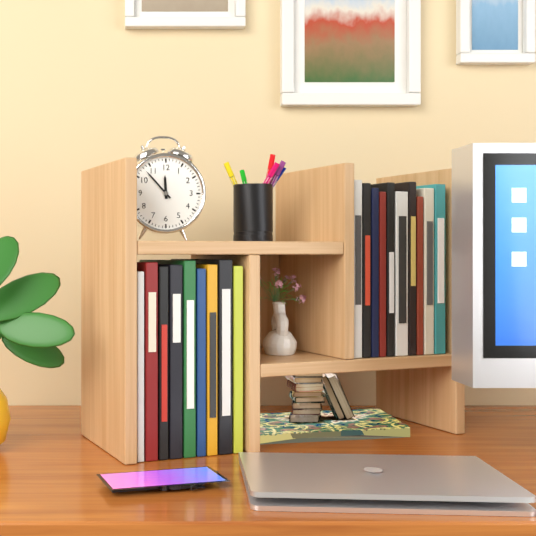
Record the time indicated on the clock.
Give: 11:53
